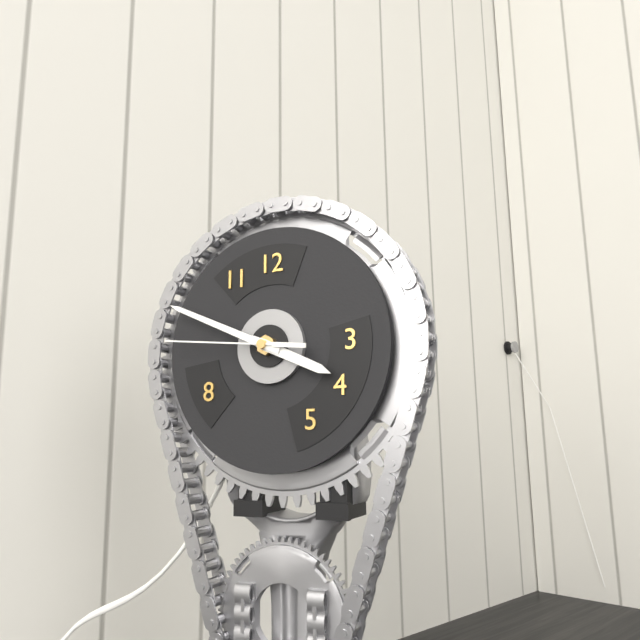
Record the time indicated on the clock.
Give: 3:49:46
